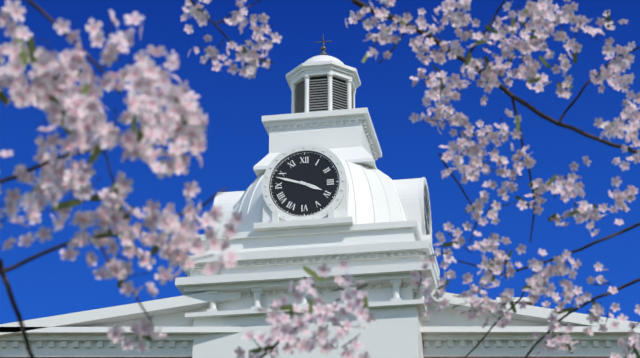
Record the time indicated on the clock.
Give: 3:48
